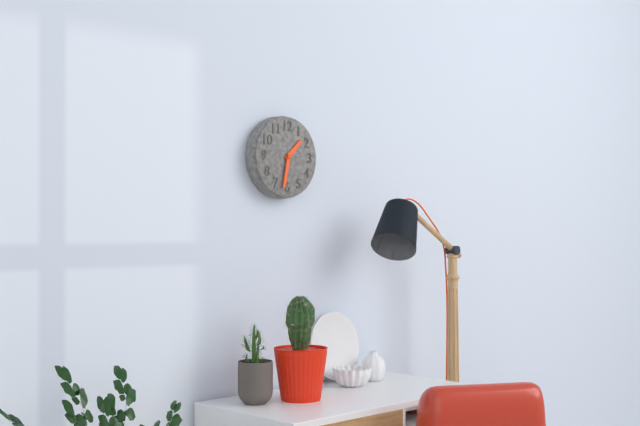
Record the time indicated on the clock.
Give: 1:32
